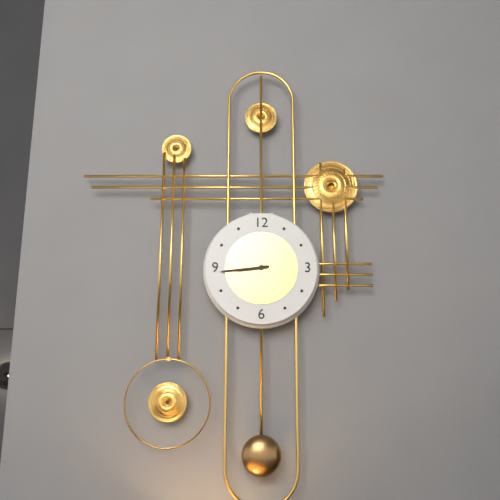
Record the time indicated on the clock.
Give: 8:44
